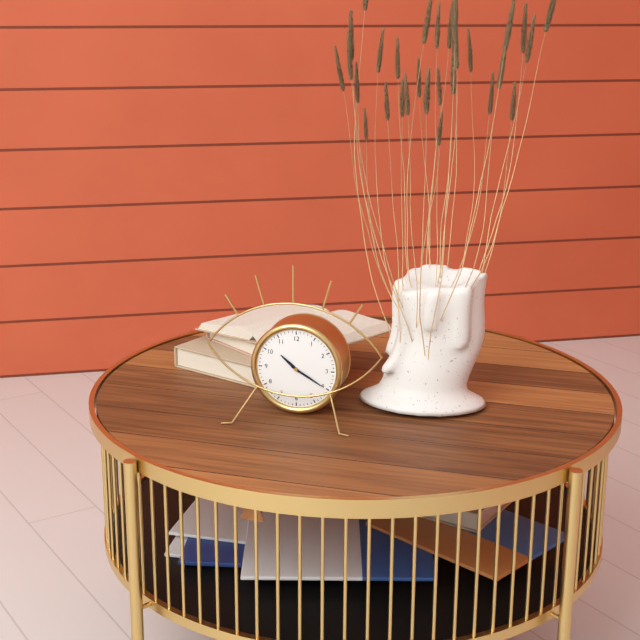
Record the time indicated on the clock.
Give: 10:20
